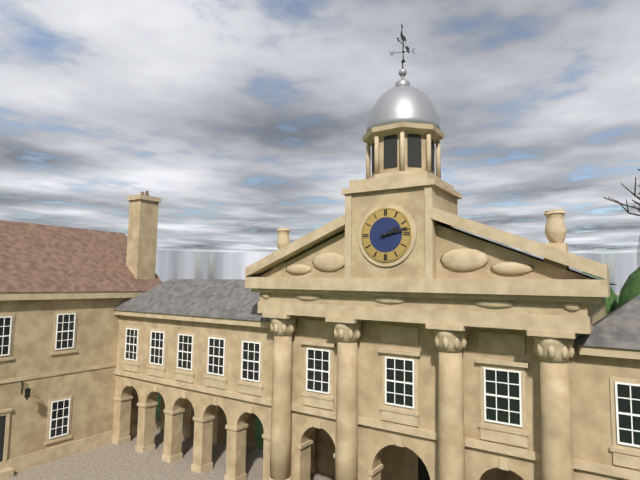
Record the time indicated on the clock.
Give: 2:13
